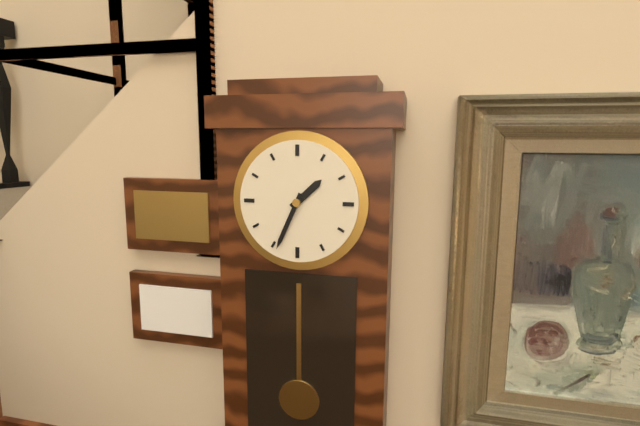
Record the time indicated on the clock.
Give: 1:34
